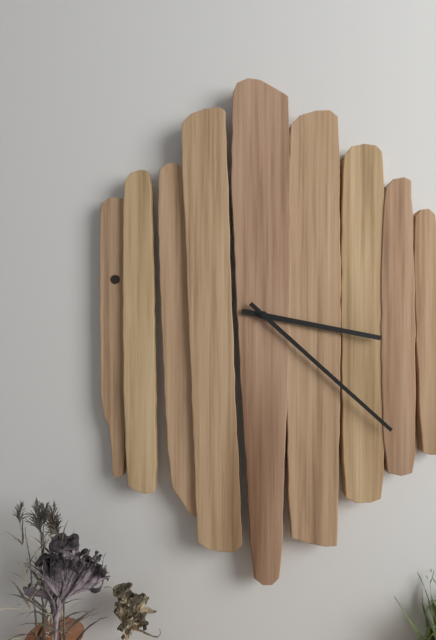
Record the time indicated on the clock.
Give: 3:22
